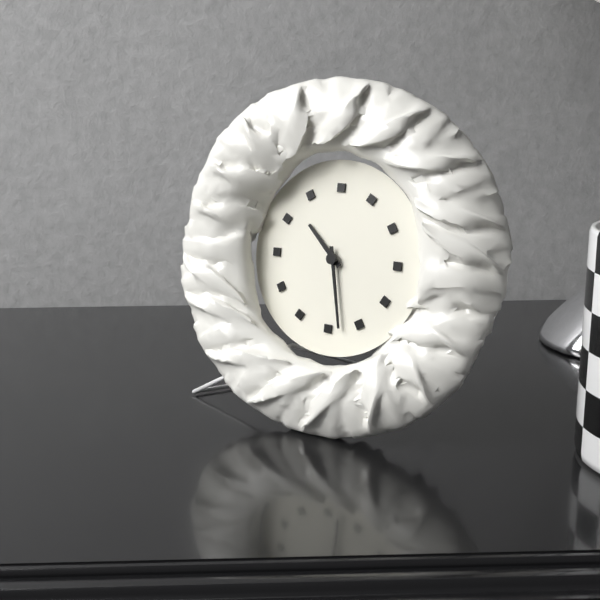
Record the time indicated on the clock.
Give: 10:28
